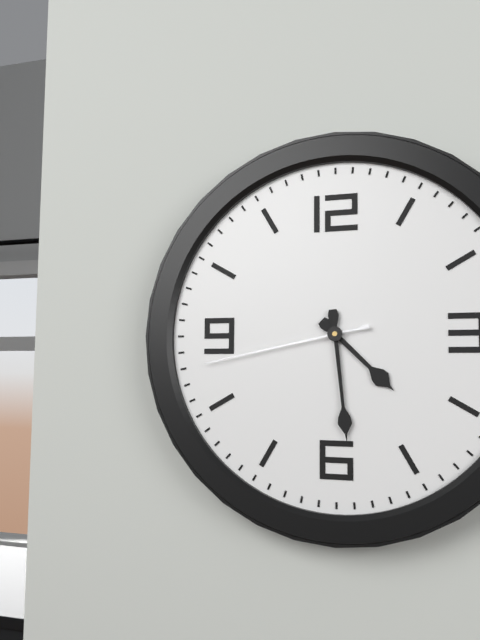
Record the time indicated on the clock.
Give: 4:29:43
